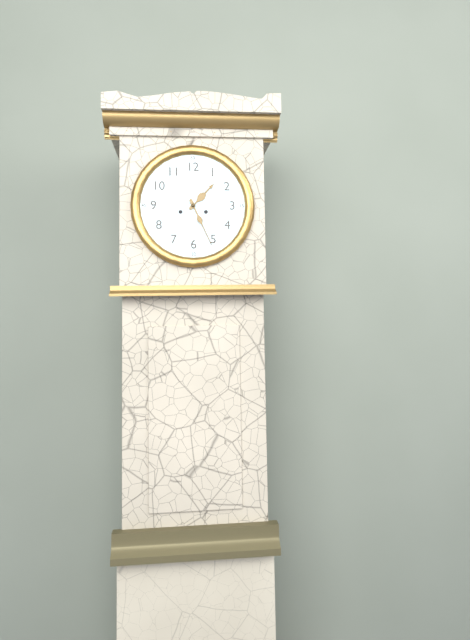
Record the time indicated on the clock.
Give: 1:26
